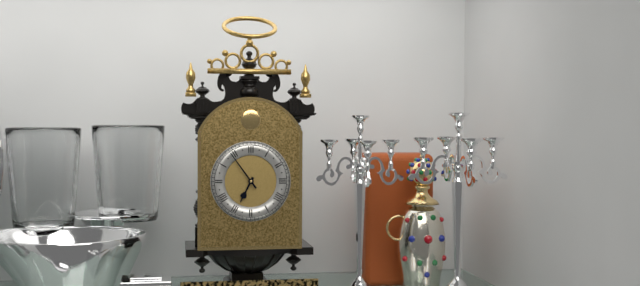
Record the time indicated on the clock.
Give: 6:54
